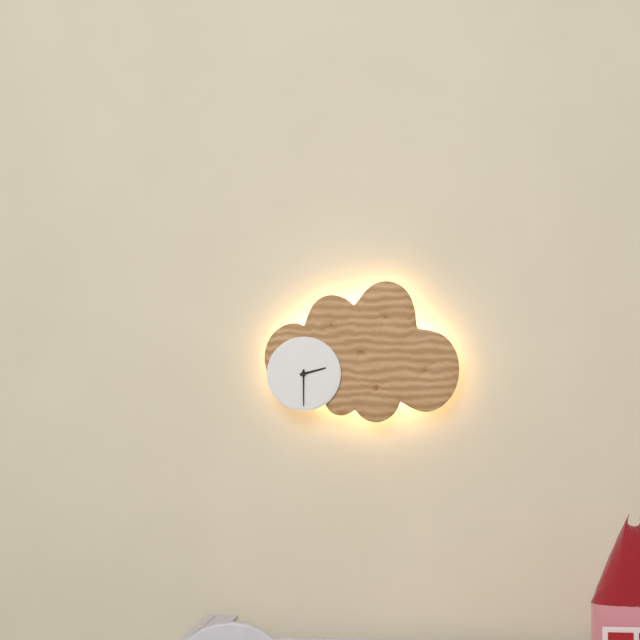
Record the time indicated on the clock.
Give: 2:30
